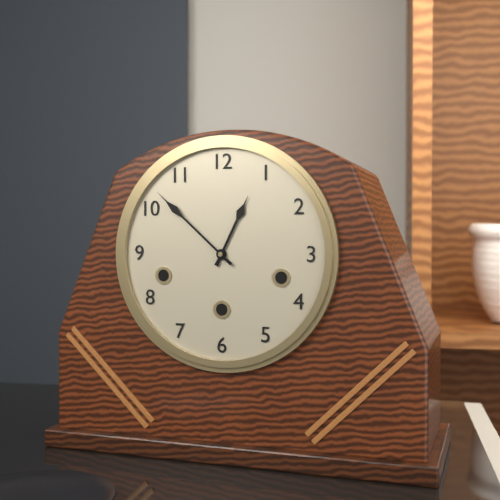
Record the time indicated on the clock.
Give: 12:52
